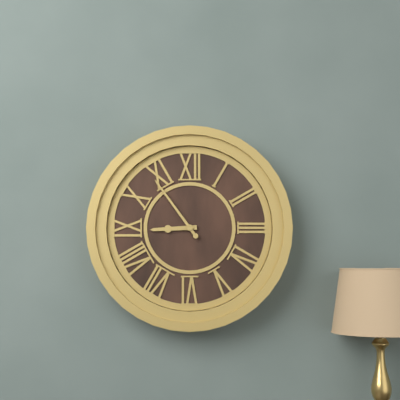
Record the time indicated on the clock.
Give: 8:54
